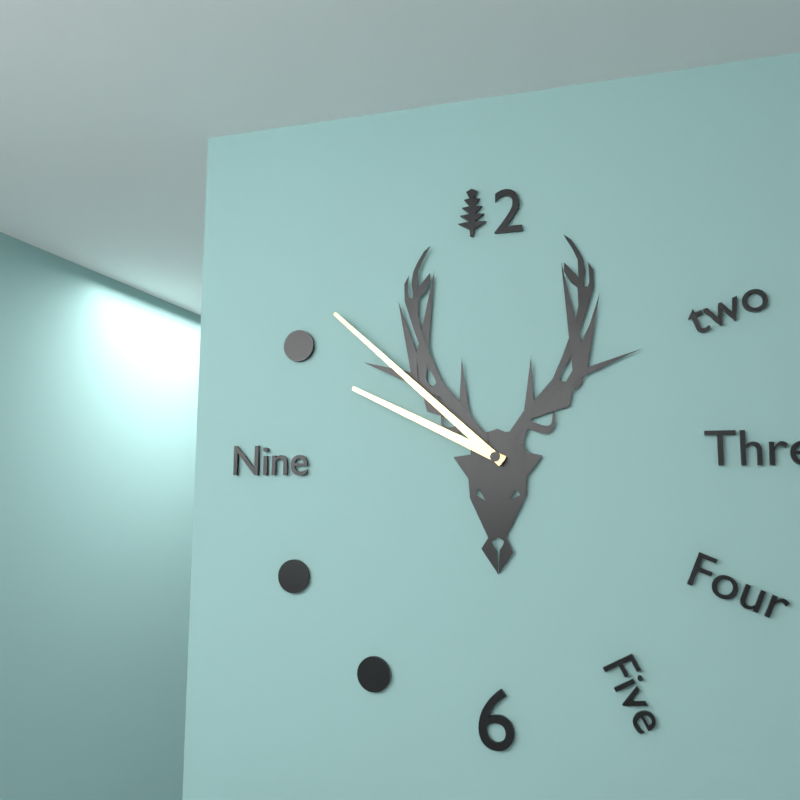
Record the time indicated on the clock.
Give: 9:52
